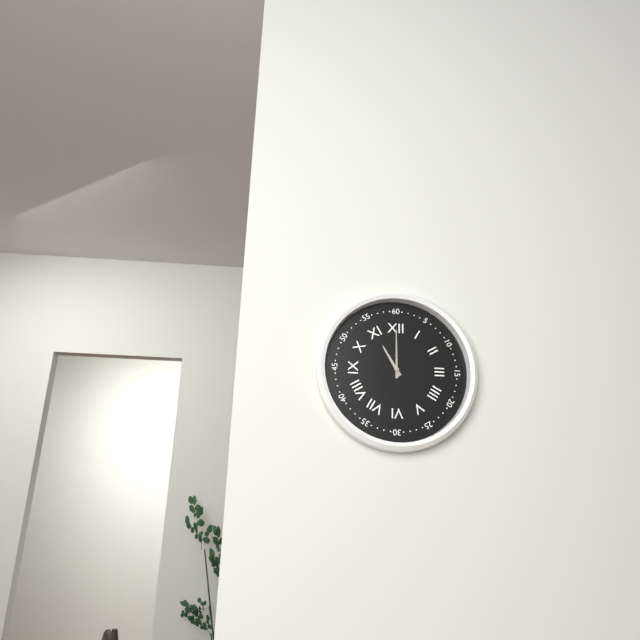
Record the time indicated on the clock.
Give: 11:00
